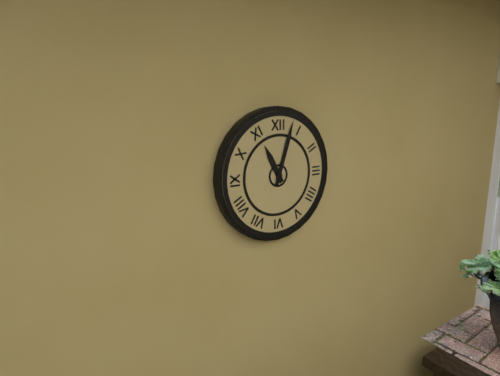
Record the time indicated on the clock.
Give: 11:03
